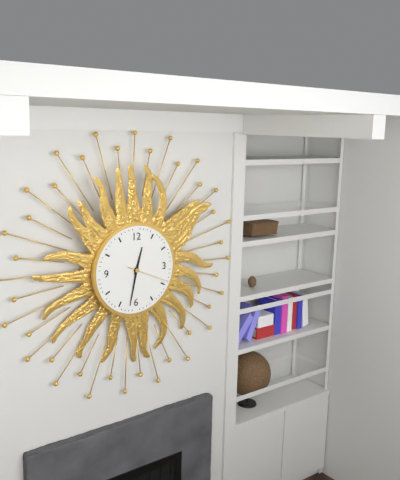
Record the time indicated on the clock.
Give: 12:32
